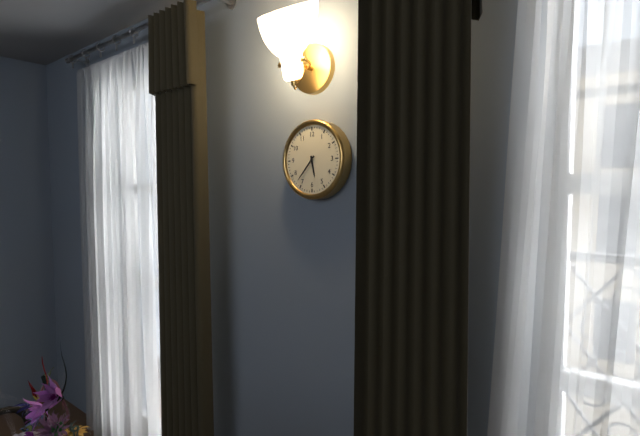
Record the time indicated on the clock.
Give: 5:37
